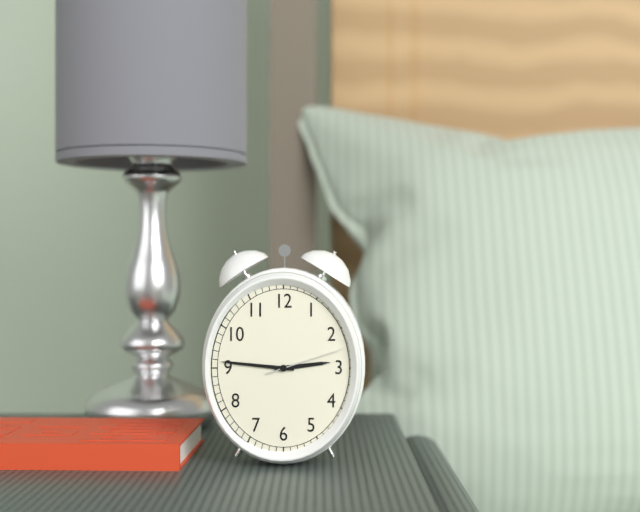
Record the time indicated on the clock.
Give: 2:46:12
